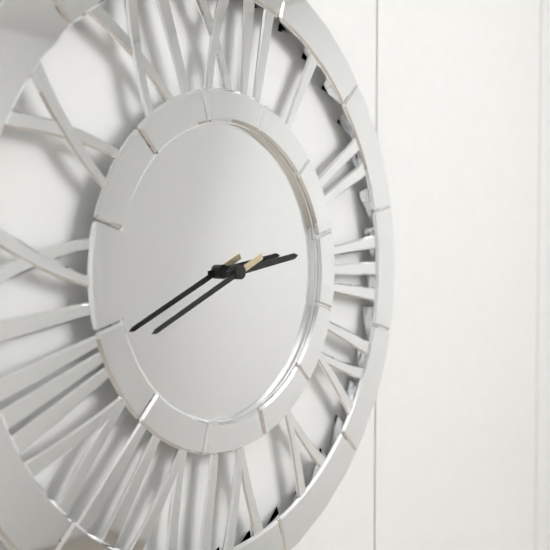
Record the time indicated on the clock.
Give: 2:41
